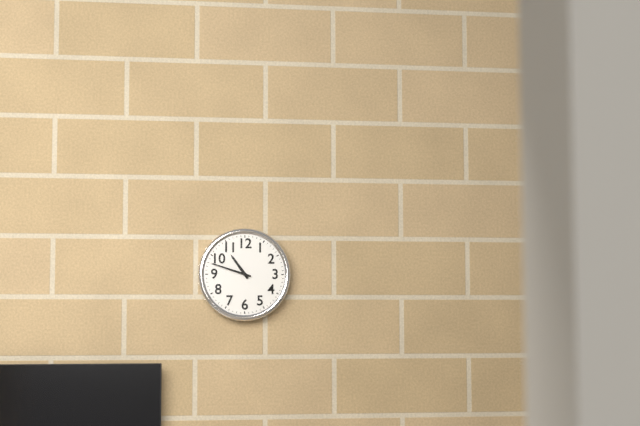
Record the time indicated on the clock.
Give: 10:48
